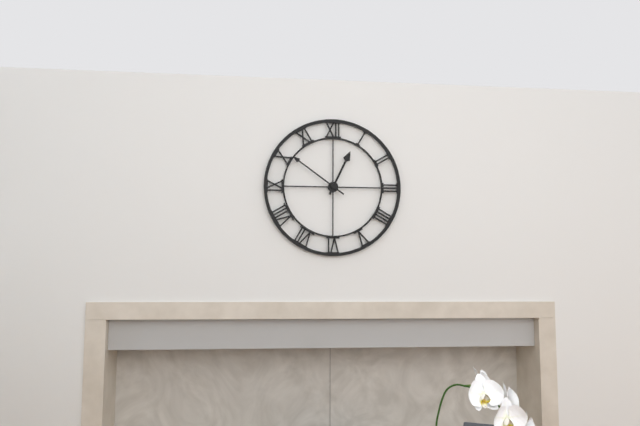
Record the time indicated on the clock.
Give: 12:51
